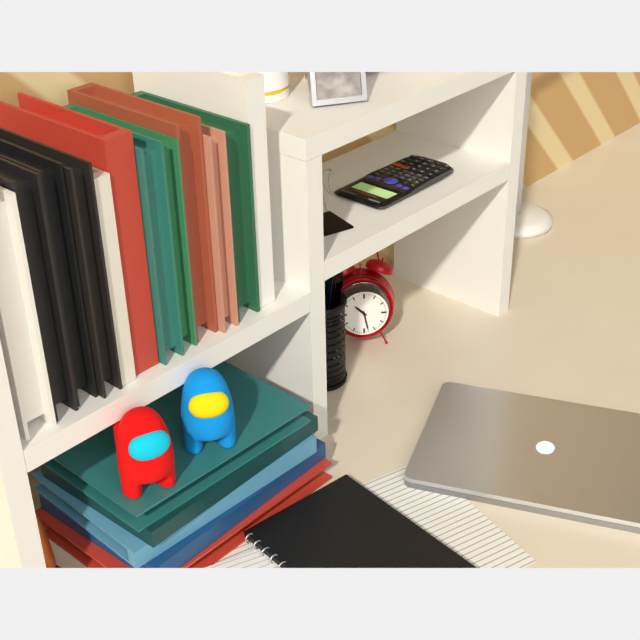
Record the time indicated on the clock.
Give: 10:28
